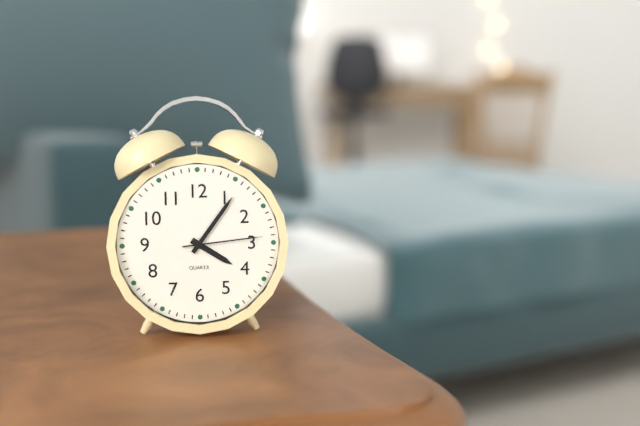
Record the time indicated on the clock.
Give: 4:06:14
